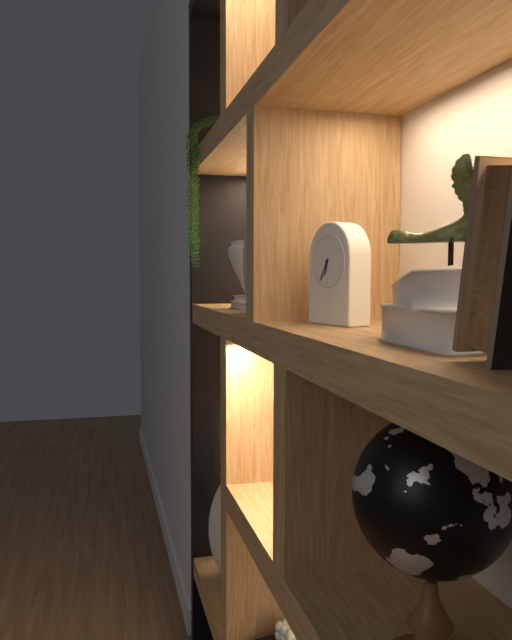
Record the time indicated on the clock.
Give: 6:35
